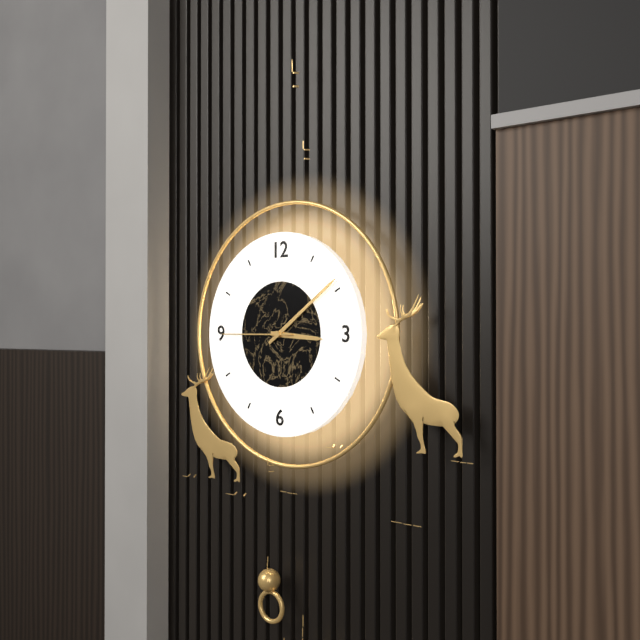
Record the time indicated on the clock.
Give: 3:09:45
